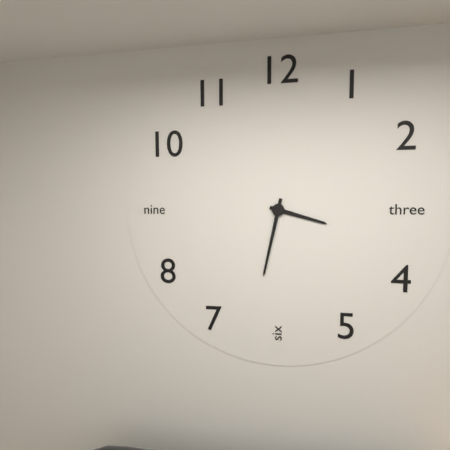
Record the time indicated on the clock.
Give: 3:32
